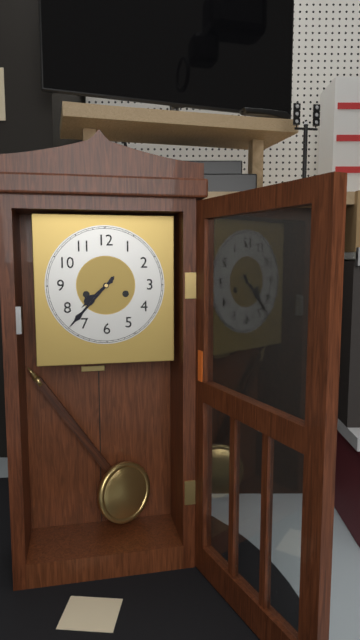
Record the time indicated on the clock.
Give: 7:37
